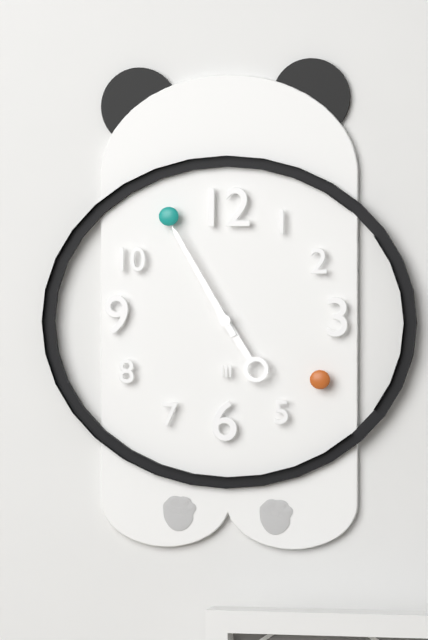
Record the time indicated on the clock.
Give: 4:55
